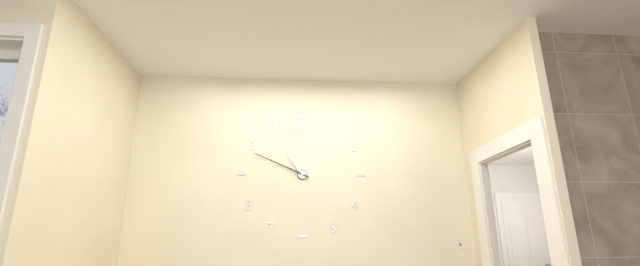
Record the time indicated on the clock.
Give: 10:49
